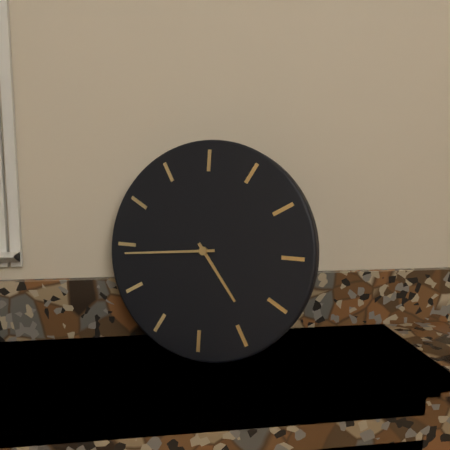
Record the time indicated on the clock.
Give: 4:44
